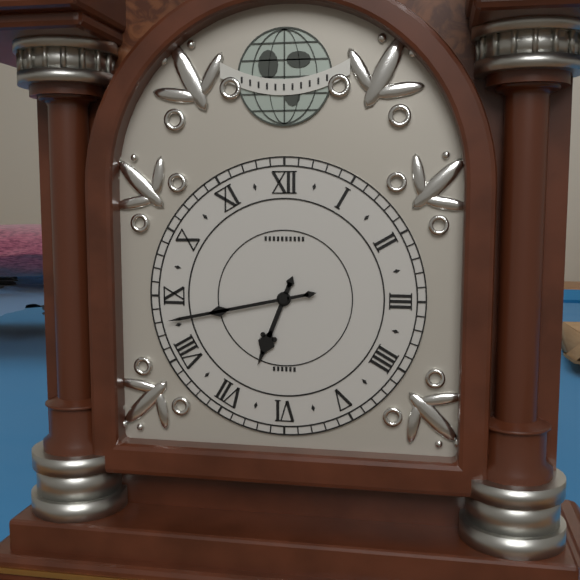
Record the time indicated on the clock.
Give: 6:43
